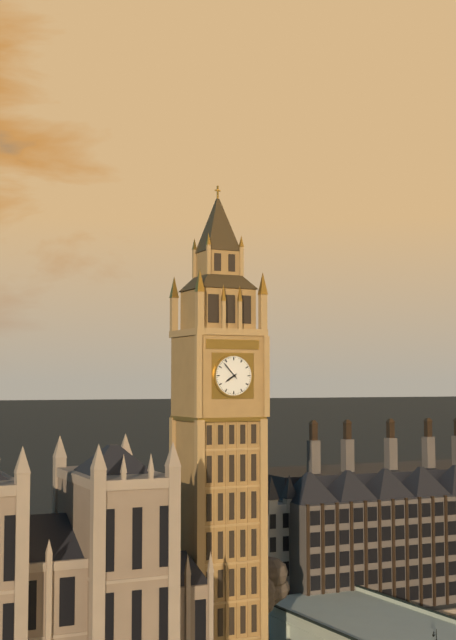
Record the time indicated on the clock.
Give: 7:53
